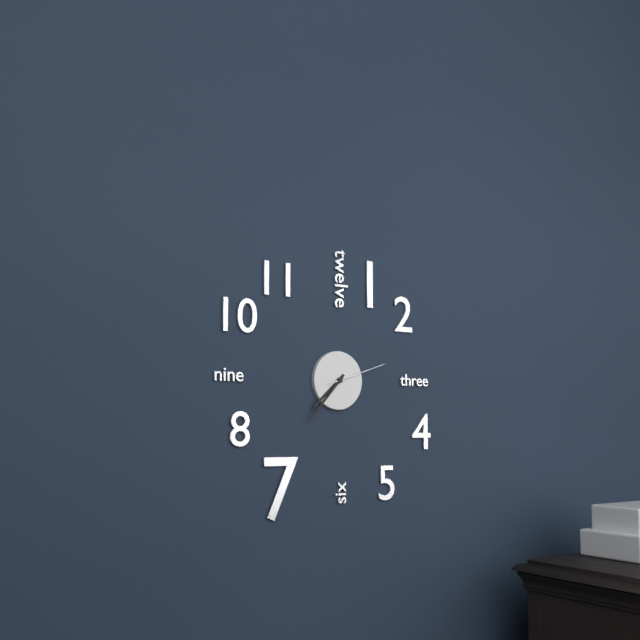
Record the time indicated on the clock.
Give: 7:37:12
